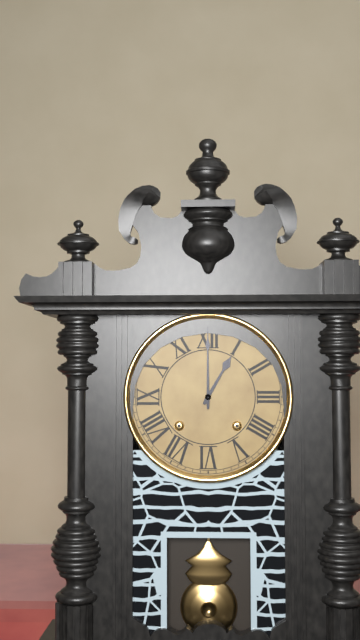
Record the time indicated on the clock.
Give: 1:00
